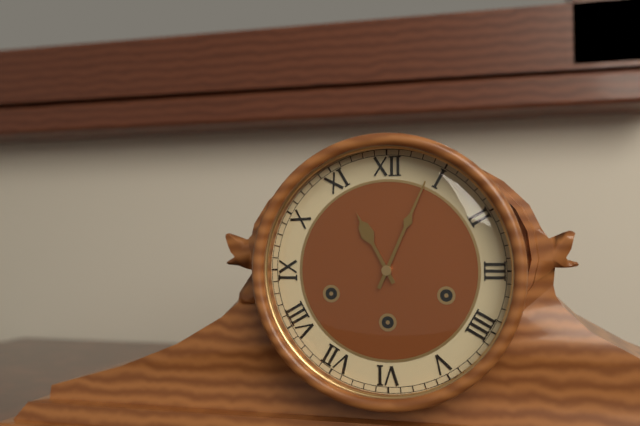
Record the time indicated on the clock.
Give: 11:04
